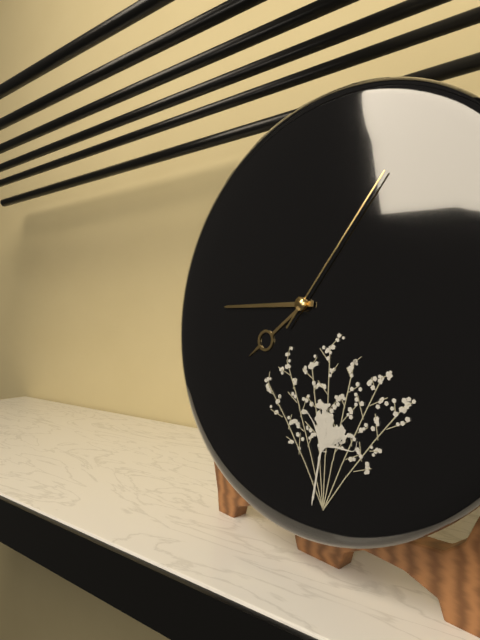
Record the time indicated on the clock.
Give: 7:45:06
